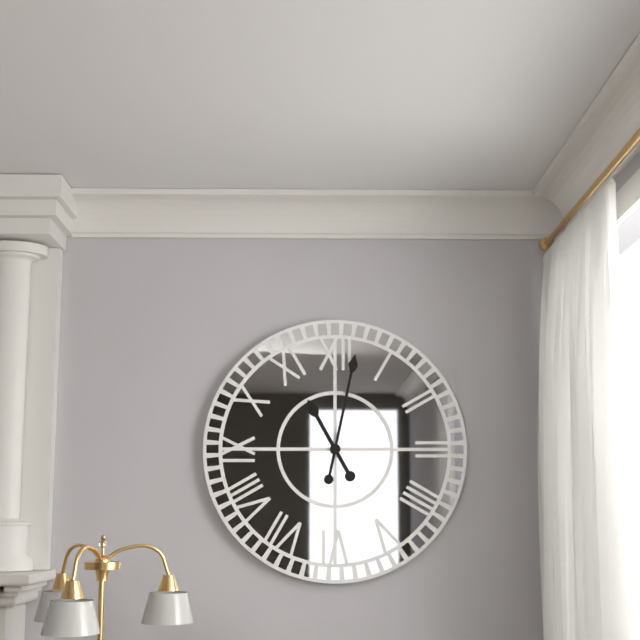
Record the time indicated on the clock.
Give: 11:02
